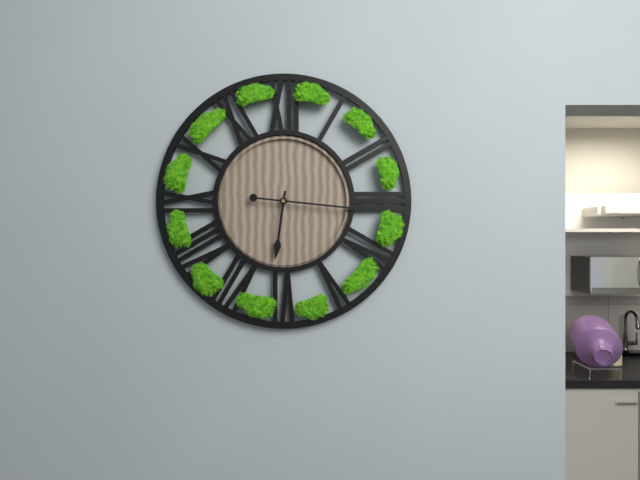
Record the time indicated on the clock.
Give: 6:16
